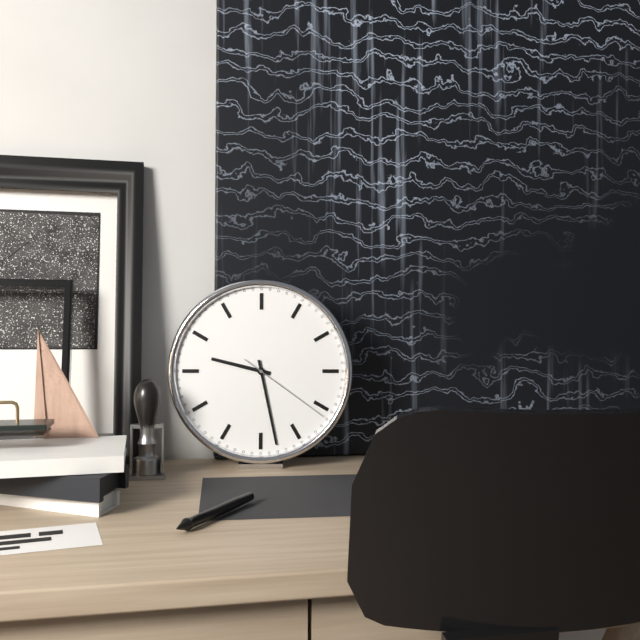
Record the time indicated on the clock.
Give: 9:28:21
